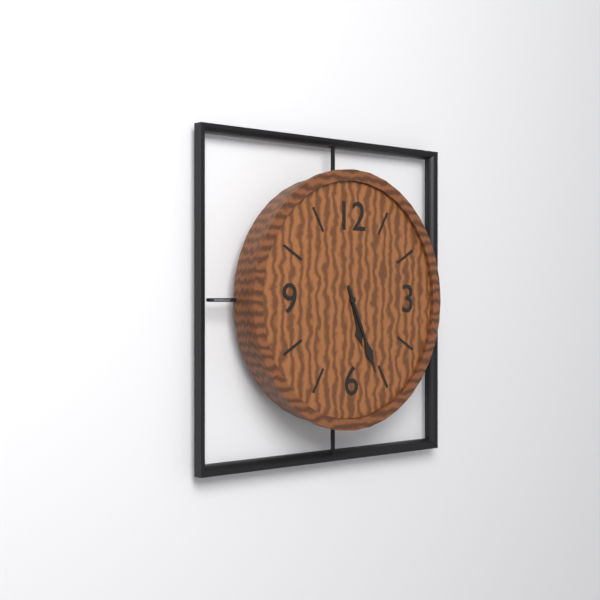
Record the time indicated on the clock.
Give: 5:26
